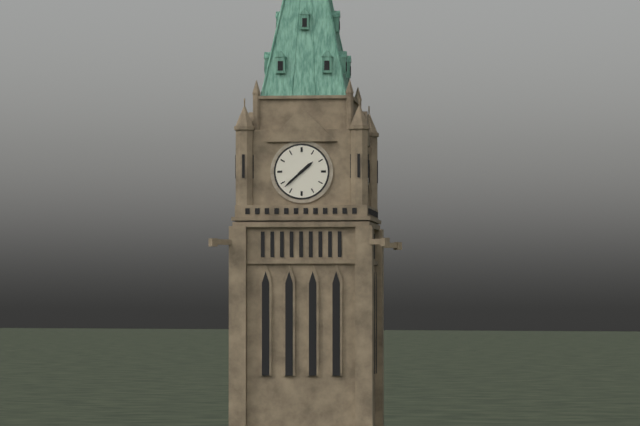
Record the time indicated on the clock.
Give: 1:38
